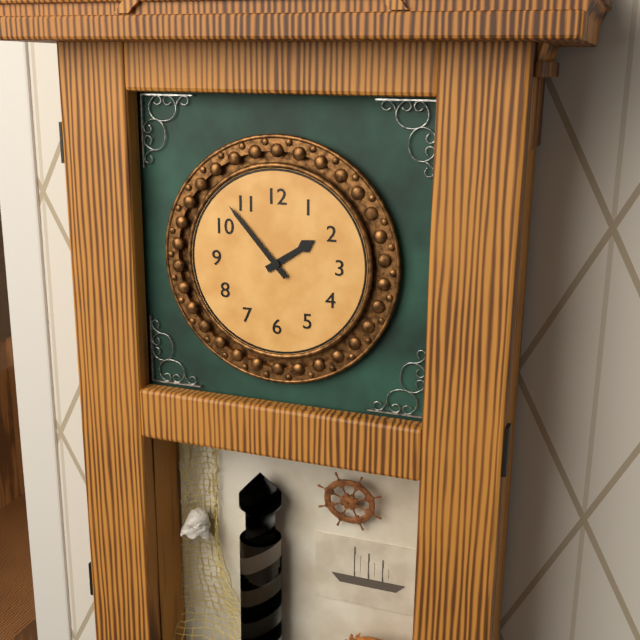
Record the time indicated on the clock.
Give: 1:53
